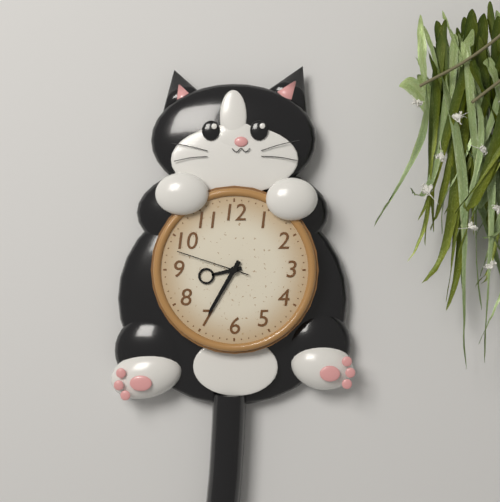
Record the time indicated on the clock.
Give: 8:35:48
